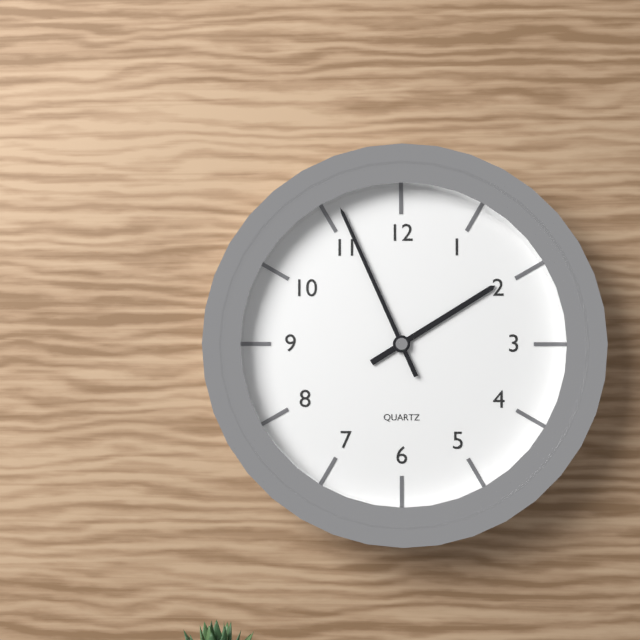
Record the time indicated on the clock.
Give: 1:56
